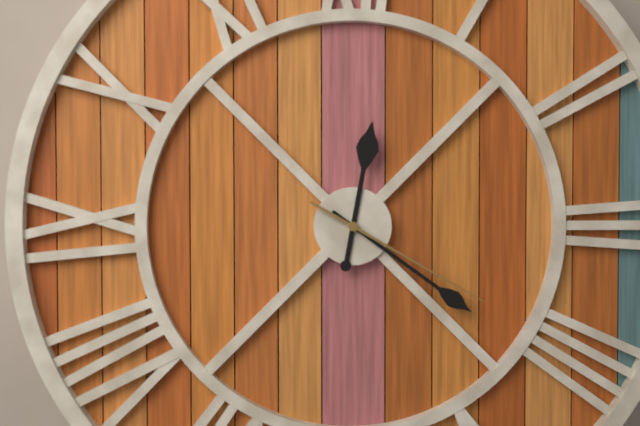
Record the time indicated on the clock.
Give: 12:21:20
